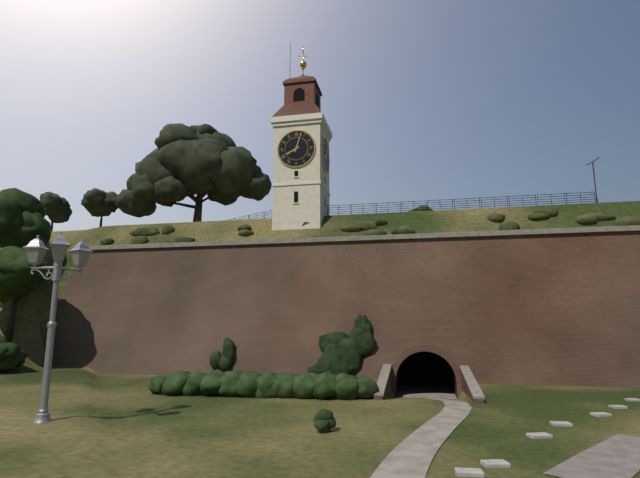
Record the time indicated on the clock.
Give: 8:03
